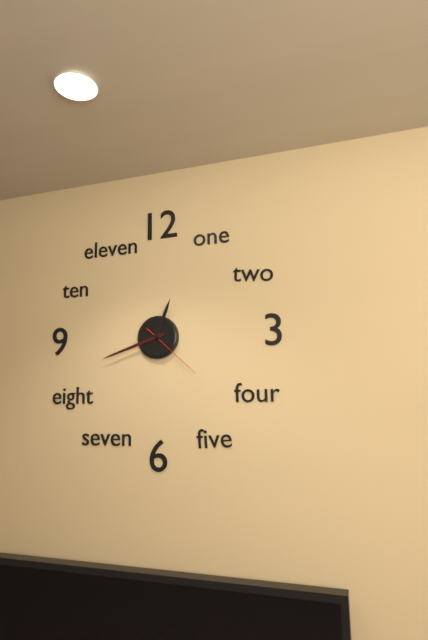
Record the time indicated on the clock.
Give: 12:42:22
